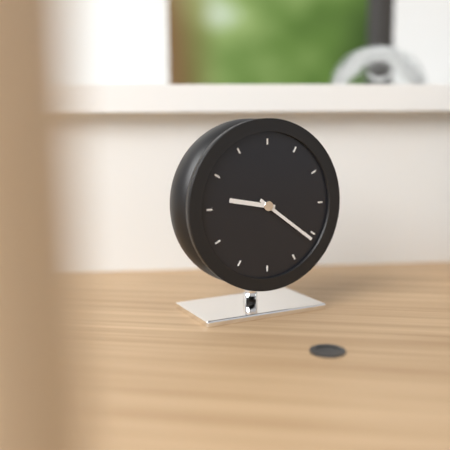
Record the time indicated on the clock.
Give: 9:21
